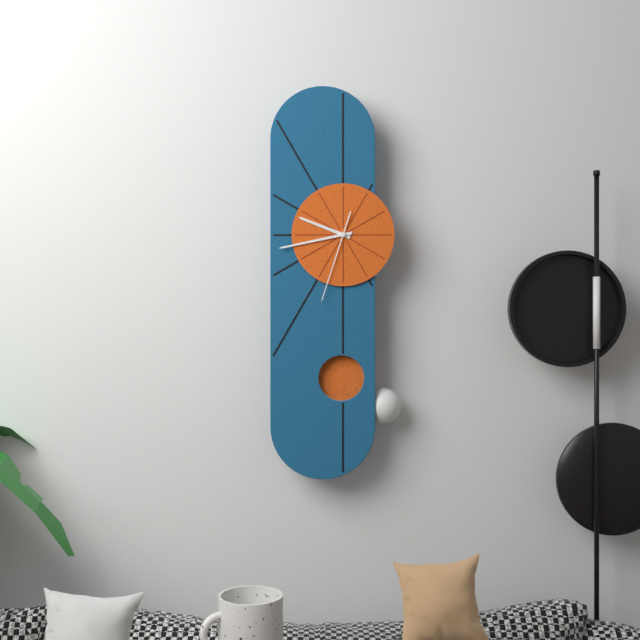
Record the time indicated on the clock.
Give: 9:43:33
